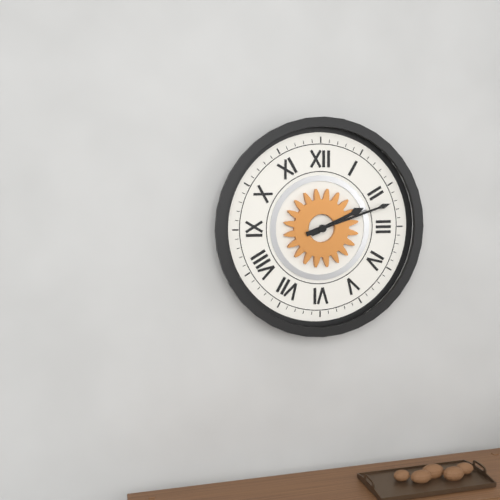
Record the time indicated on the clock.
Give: 2:12
